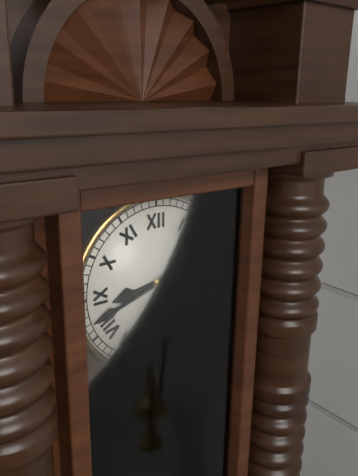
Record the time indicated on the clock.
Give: 8:42
